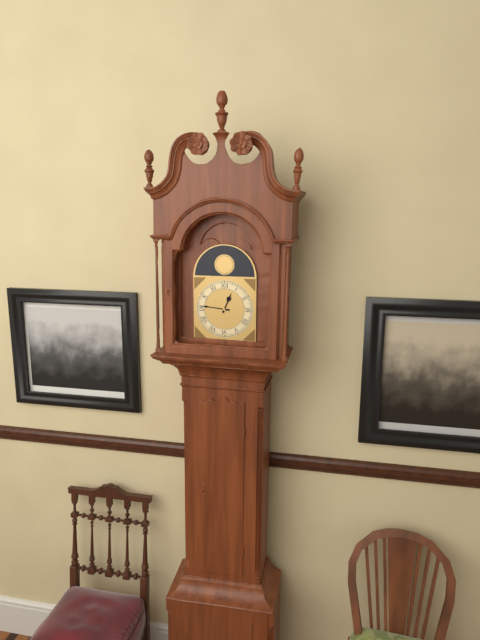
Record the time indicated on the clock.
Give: 12:46
